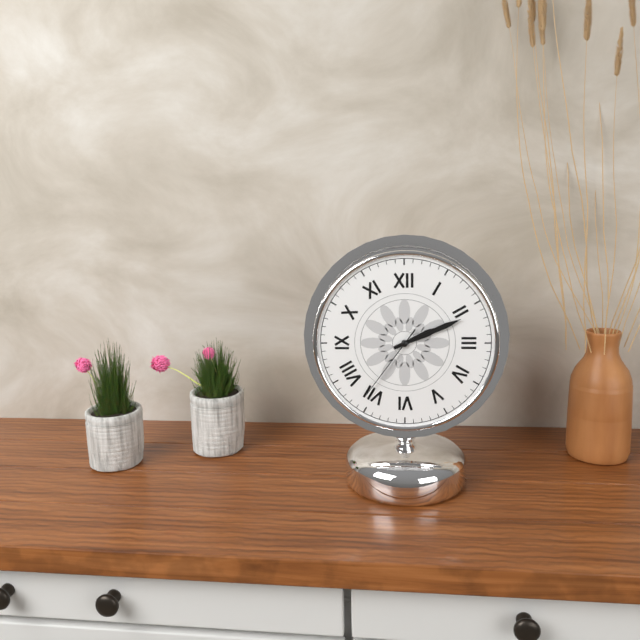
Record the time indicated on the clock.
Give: 2:11:36
